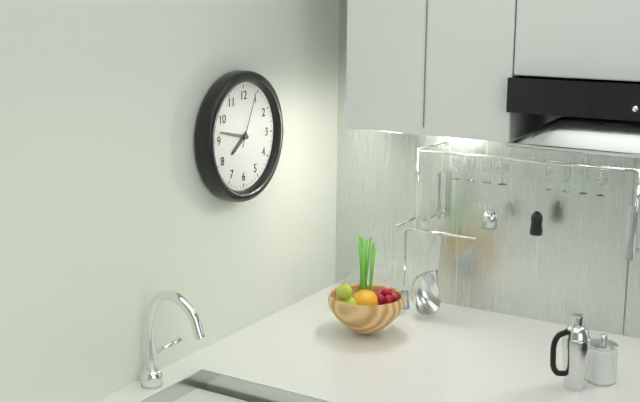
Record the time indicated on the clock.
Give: 7:47:04
